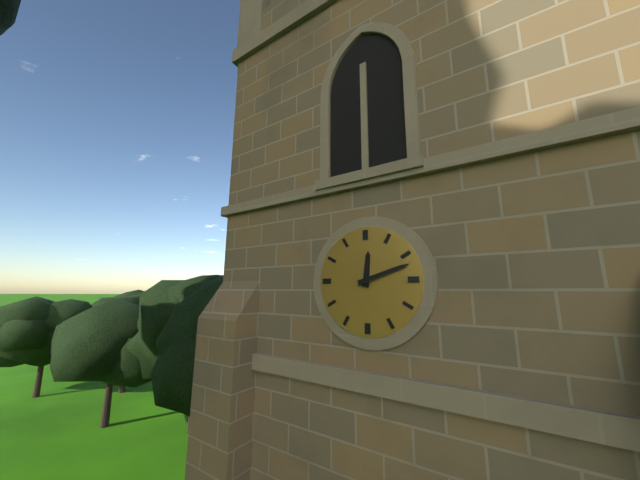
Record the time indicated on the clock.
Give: 12:12
